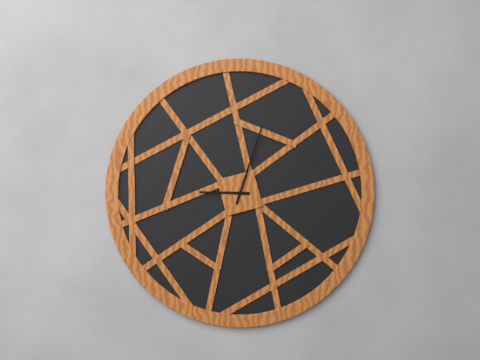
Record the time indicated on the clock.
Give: 9:03
